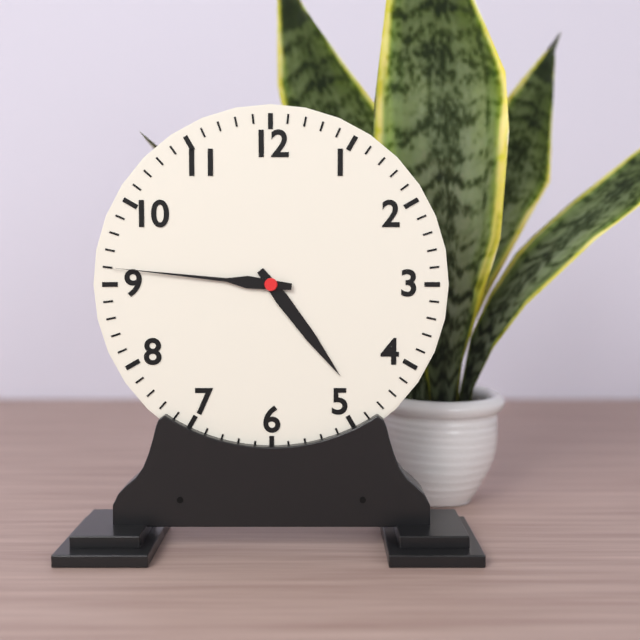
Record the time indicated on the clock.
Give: 4:46
